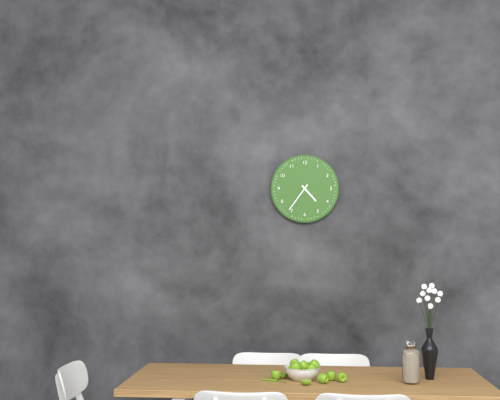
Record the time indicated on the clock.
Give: 4:36
